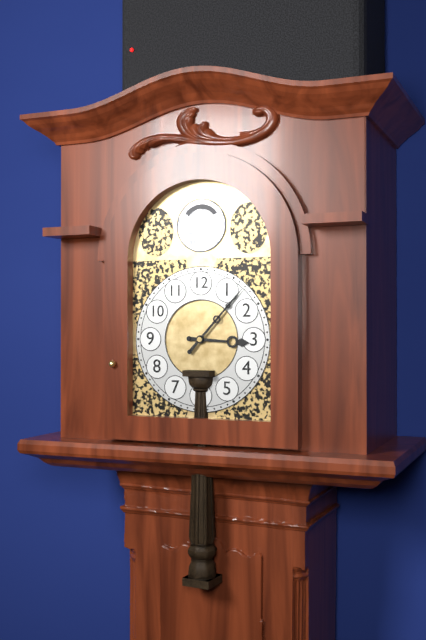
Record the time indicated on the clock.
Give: 3:07
